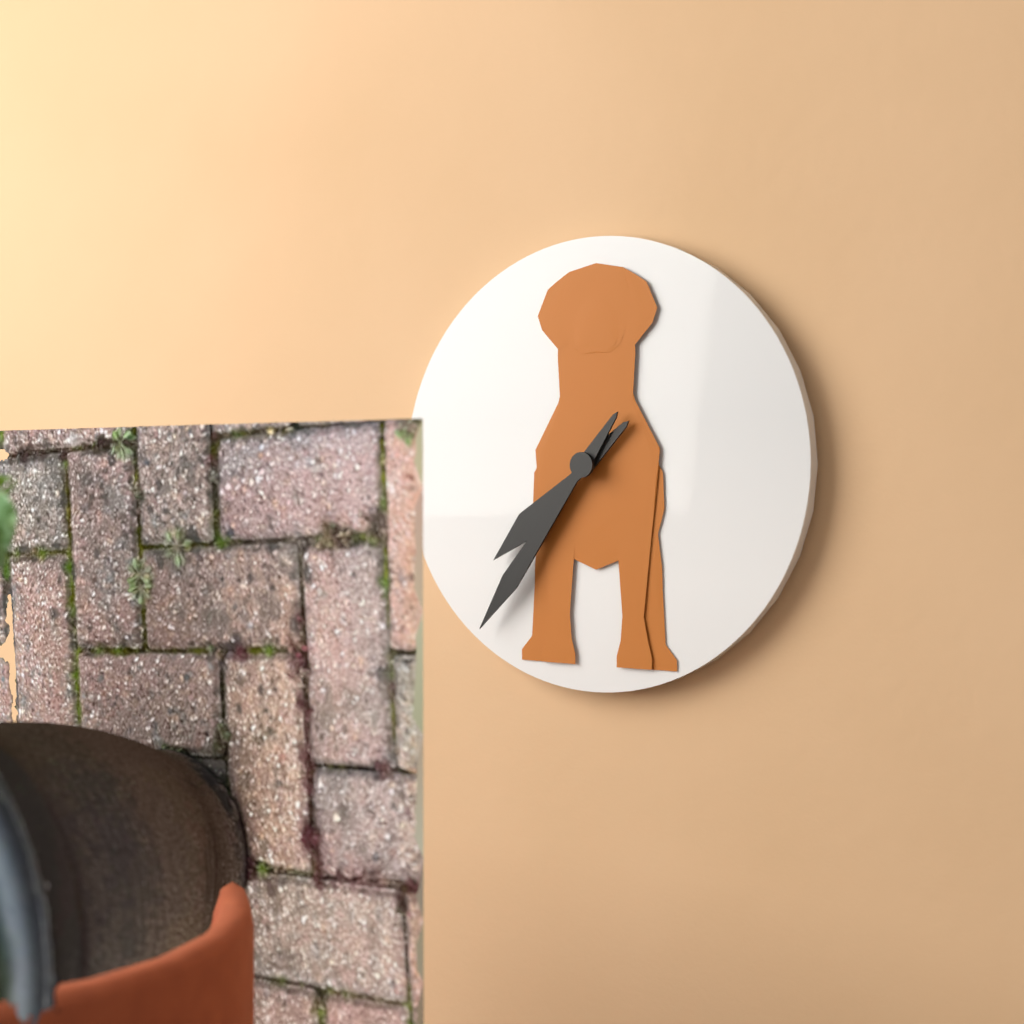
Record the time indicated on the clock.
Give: 7:36
